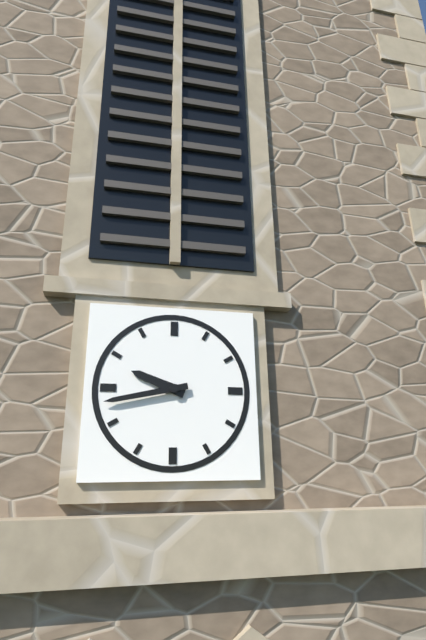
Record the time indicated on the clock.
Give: 9:43
